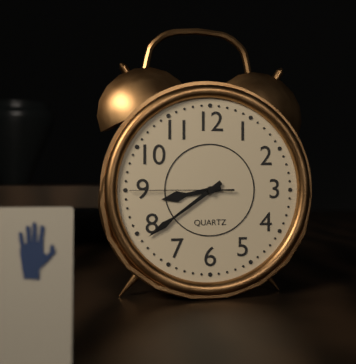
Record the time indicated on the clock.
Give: 8:39:45
